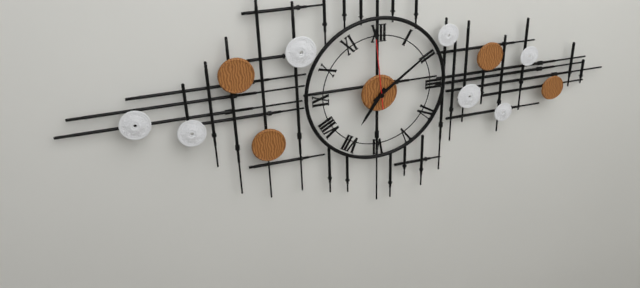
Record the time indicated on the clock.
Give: 7:09:59
